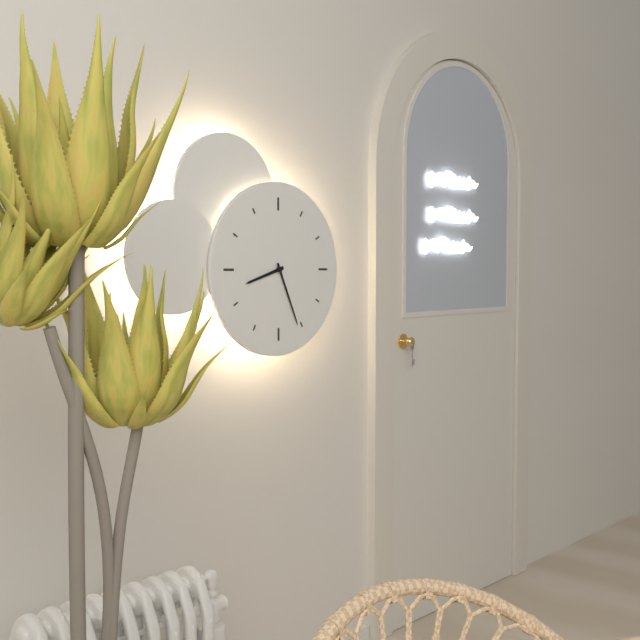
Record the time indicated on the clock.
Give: 8:26
